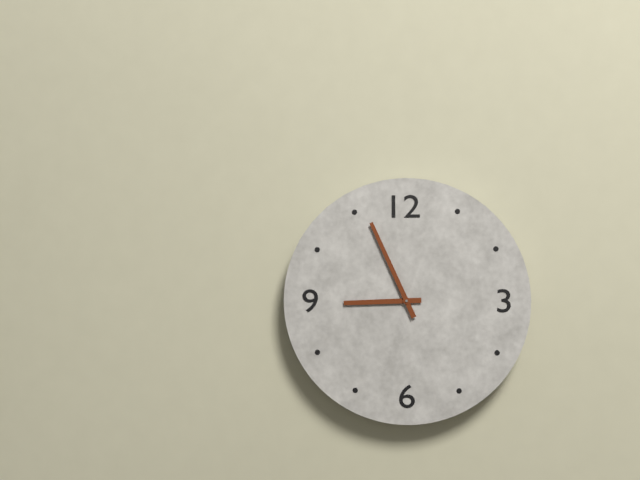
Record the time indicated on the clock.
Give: 8:56
